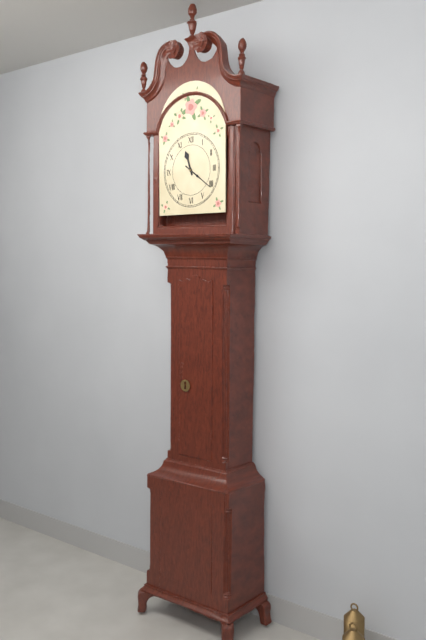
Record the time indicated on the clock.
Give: 11:21
